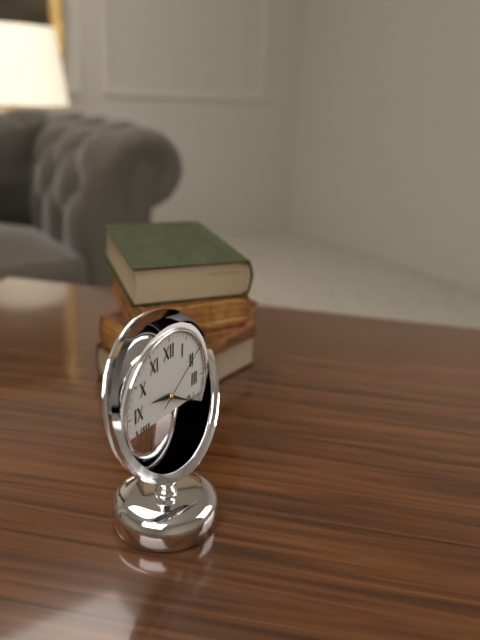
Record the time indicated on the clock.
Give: 9:20:09
